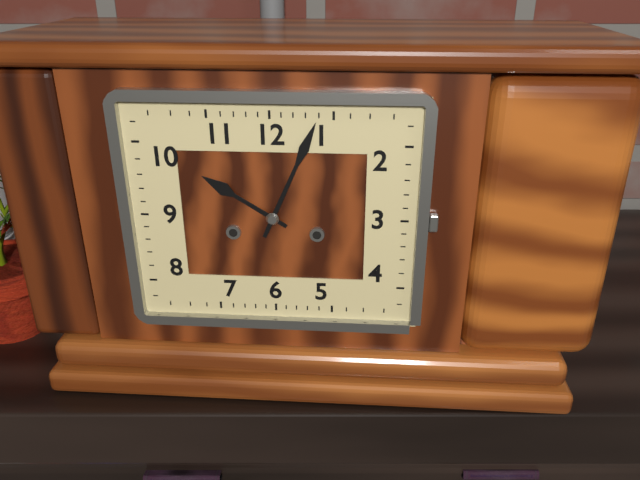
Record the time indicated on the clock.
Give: 10:04
